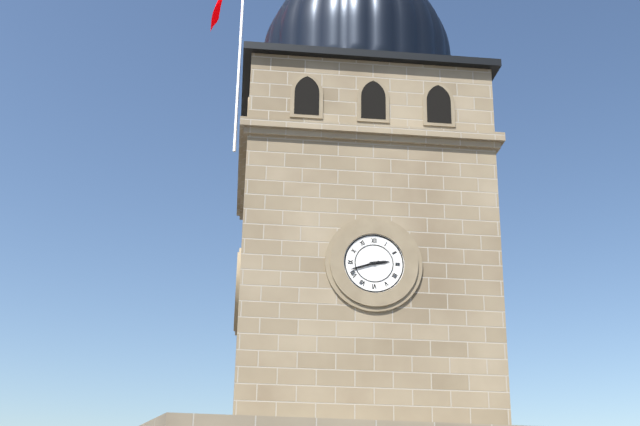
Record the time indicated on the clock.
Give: 2:42
